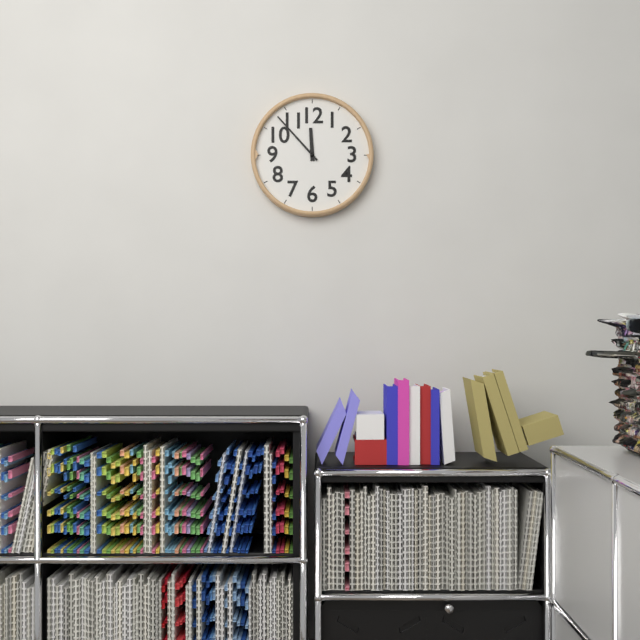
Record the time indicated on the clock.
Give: 11:53
